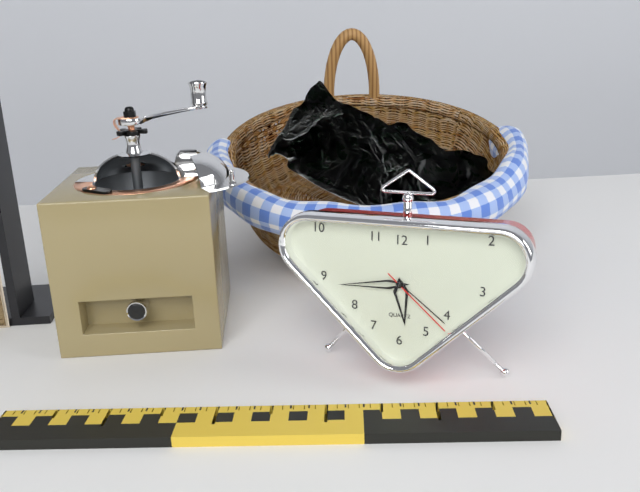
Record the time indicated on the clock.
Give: 5:44:22
